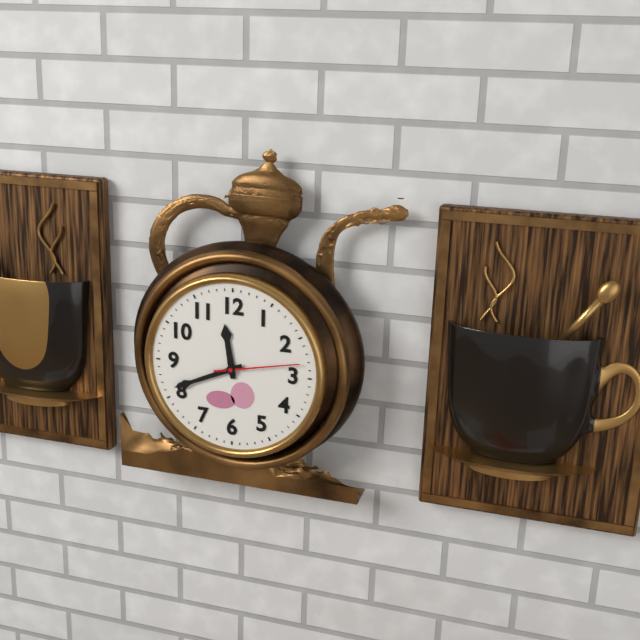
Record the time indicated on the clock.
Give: 11:41:13
